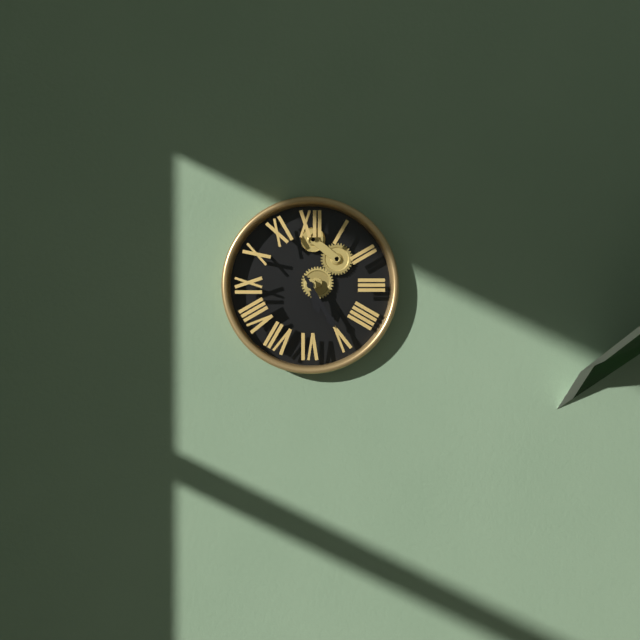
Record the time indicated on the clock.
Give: 5:25
